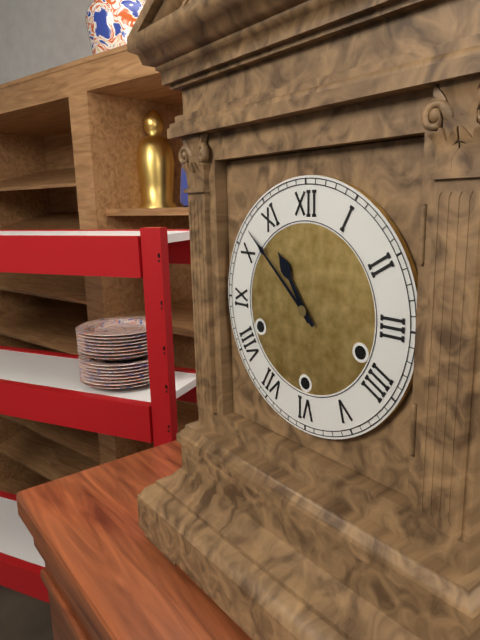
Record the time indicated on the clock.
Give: 10:52
